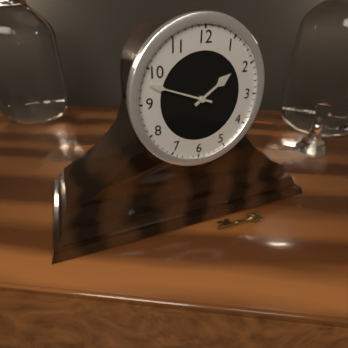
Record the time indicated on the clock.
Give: 1:48
